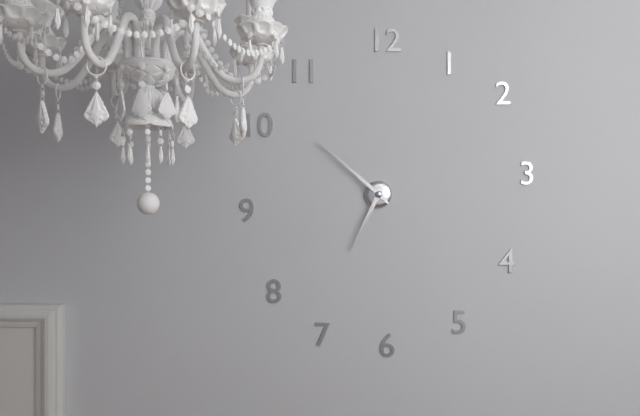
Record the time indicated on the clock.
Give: 6:52
